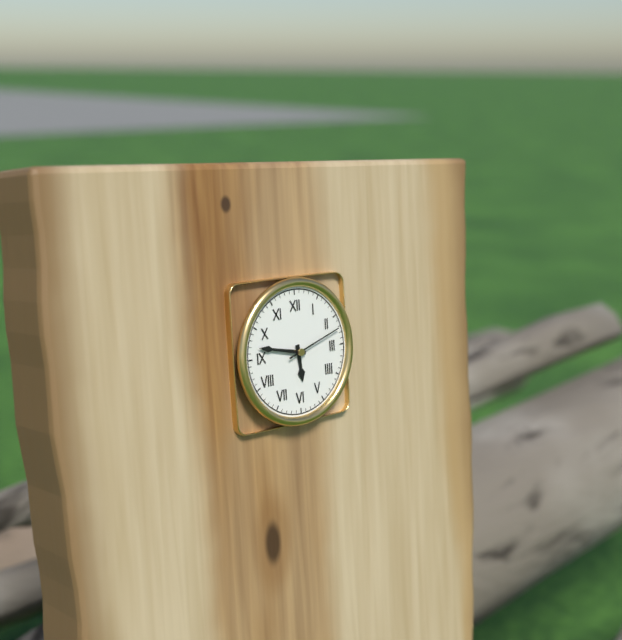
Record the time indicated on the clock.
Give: 5:47:12
